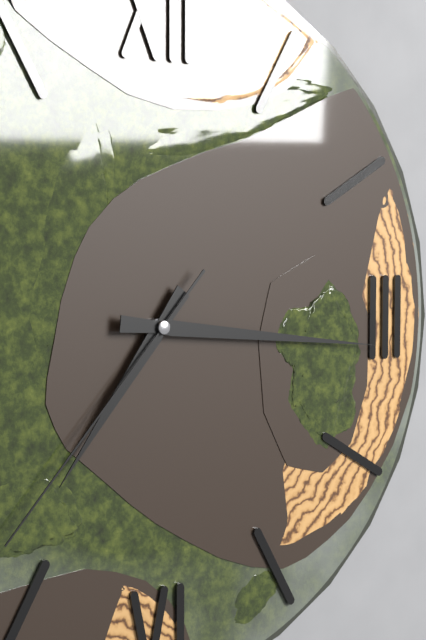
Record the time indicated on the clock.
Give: 7:16:37
